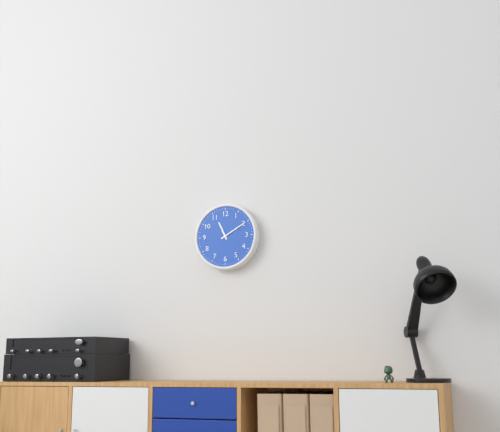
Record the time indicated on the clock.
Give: 11:10
